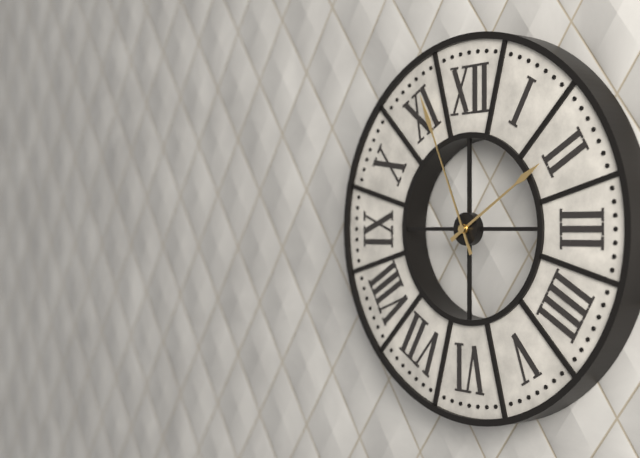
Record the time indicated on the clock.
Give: 1:56
